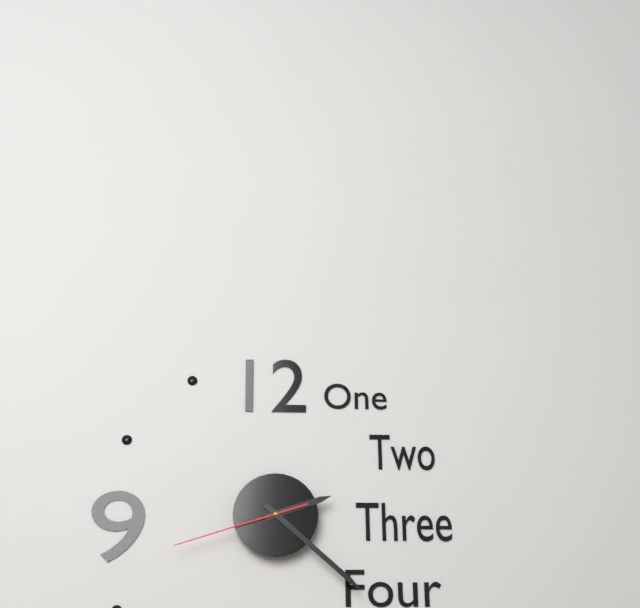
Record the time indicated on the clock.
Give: 2:22:42
